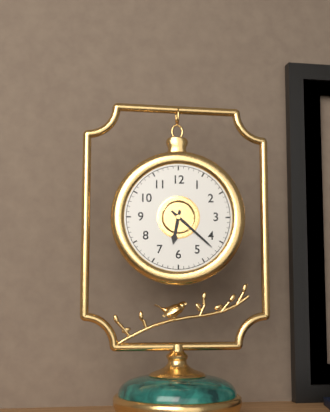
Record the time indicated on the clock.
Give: 6:22
